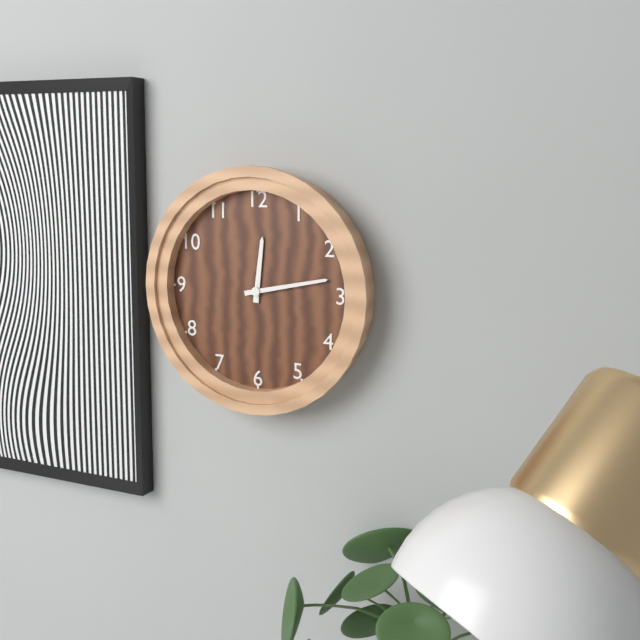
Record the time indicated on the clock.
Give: 12:13
